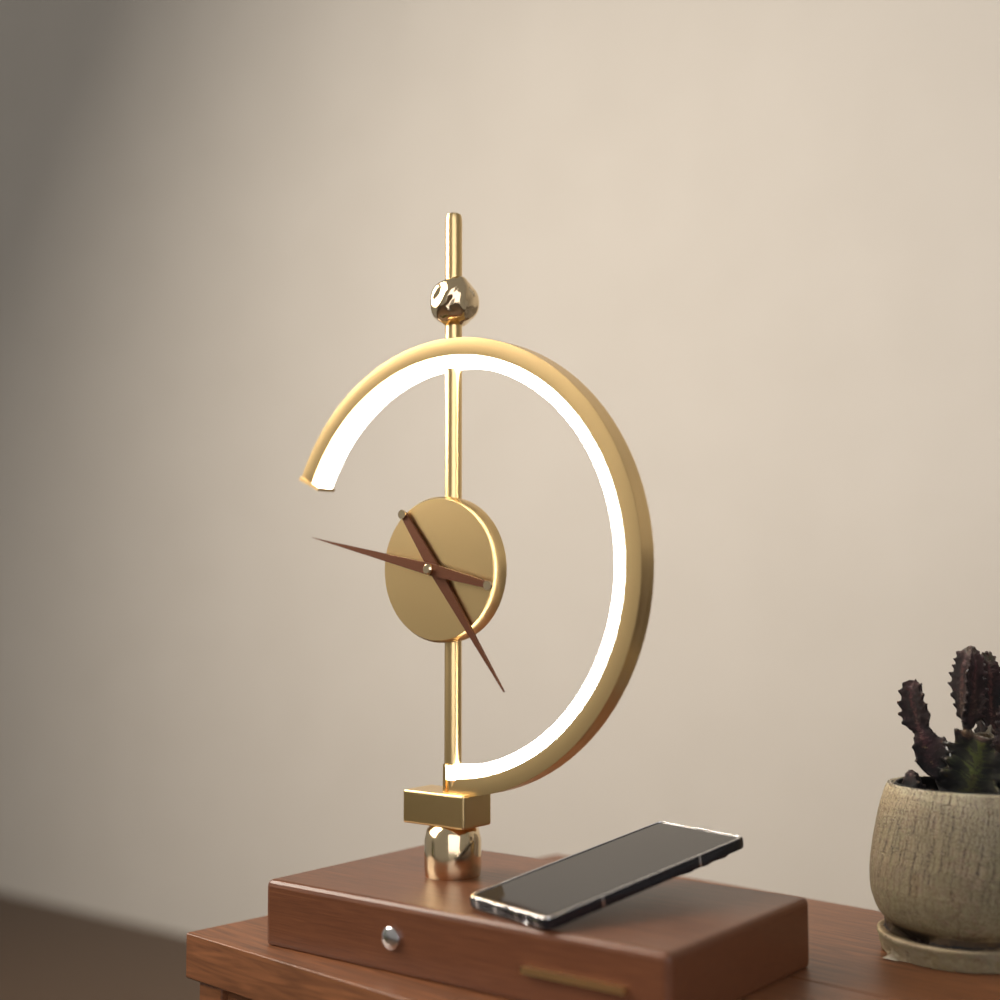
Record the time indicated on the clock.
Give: 4:47
